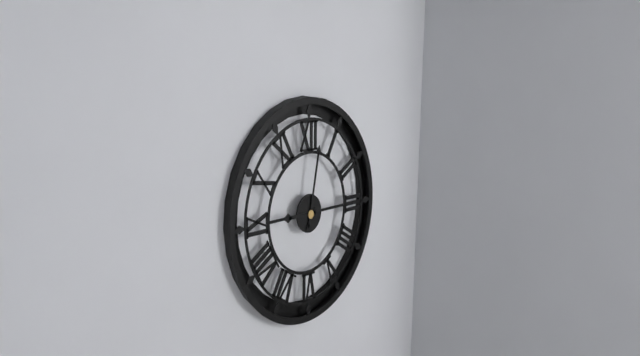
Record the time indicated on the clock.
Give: 9:02
